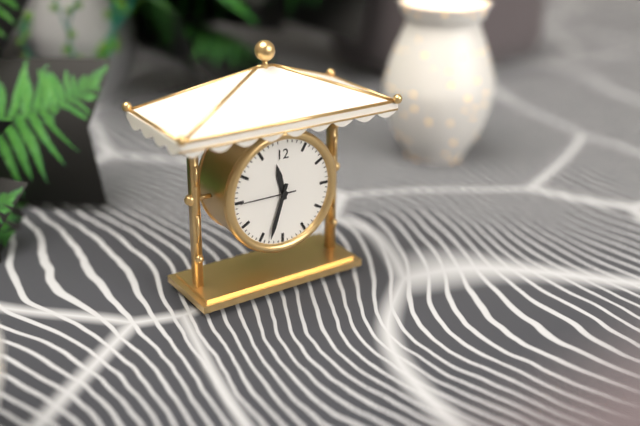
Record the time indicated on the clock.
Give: 11:33:45
